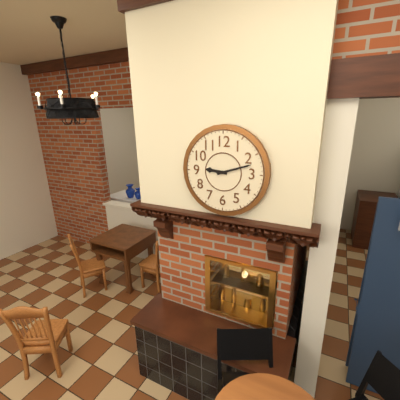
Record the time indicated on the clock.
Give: 9:12
